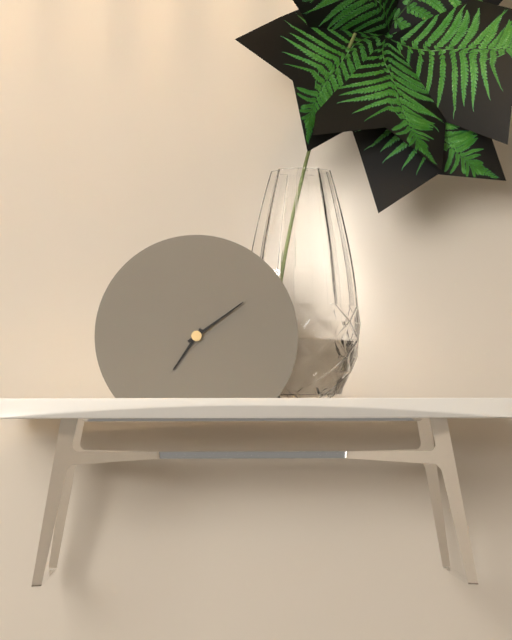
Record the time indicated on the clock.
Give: 7:09
